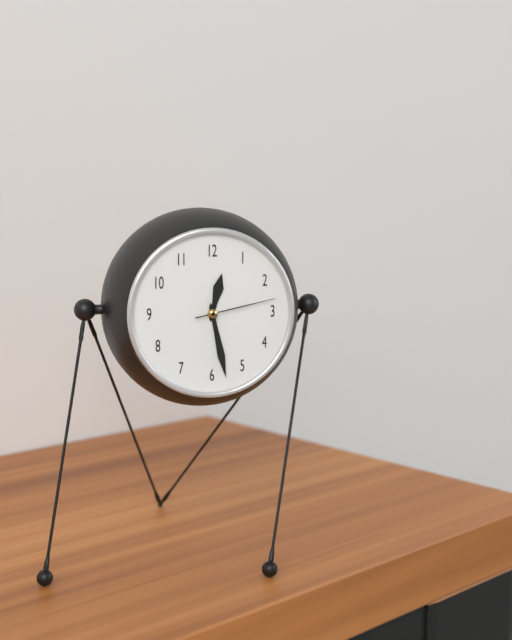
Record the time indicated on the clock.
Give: 12:28:13
